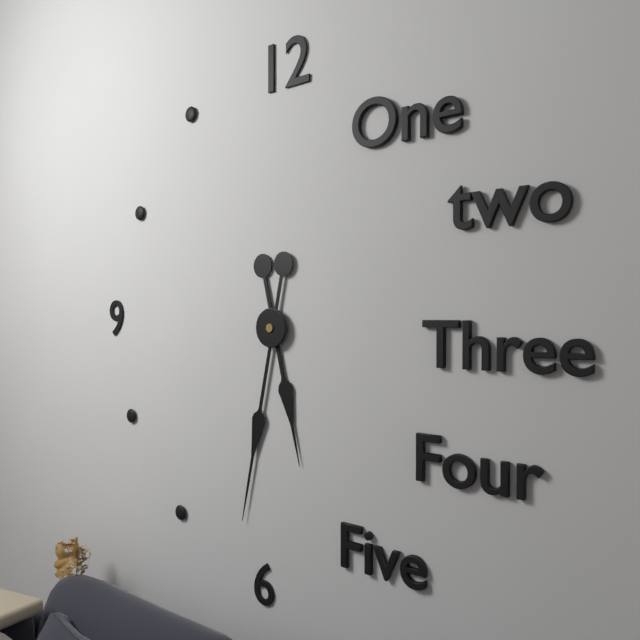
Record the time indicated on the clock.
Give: 5:32
